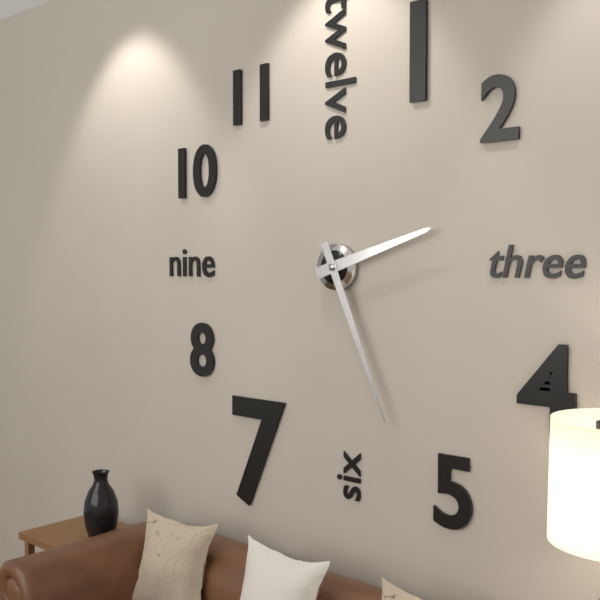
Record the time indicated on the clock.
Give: 2:26
